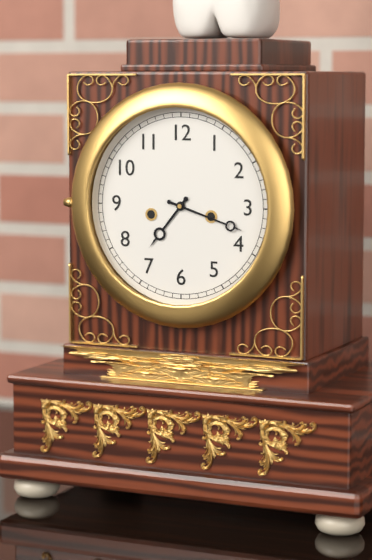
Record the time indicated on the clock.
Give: 7:18
